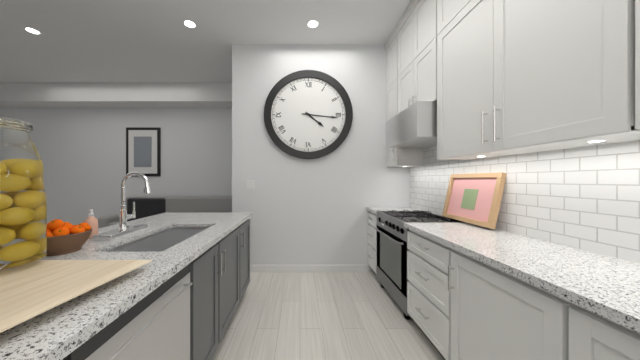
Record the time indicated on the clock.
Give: 4:16
